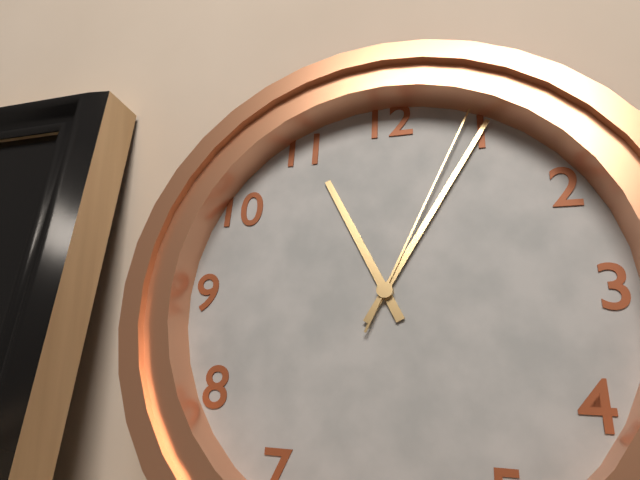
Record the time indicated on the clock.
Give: 11:05:04
